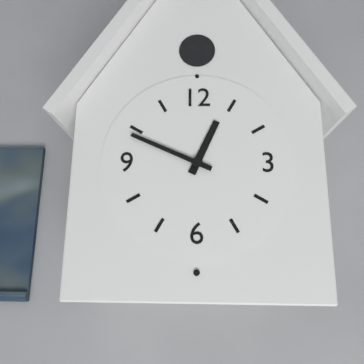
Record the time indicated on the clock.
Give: 12:49
